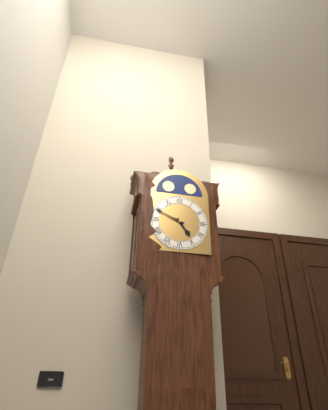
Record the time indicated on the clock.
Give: 4:49
